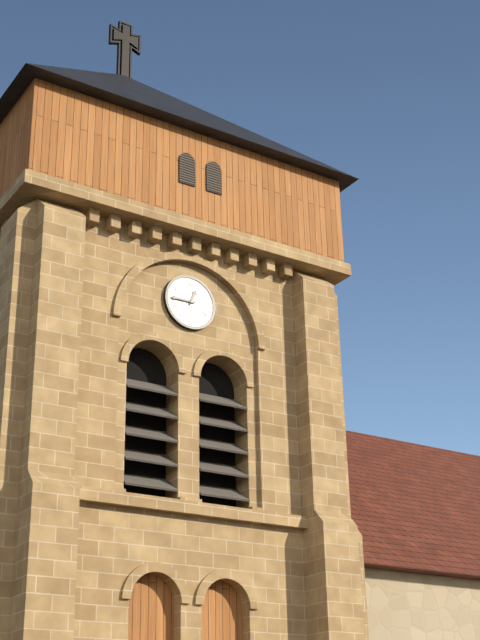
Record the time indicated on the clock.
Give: 12:45
